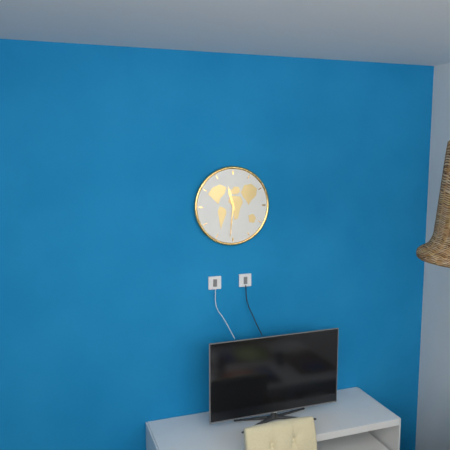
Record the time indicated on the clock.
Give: 11:31
